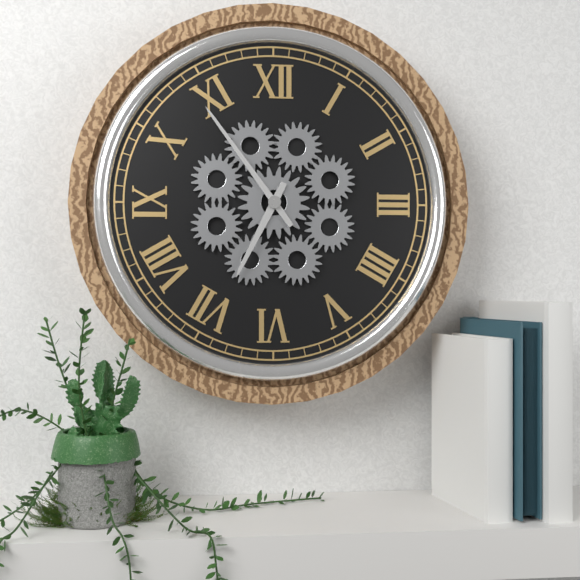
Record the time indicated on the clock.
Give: 6:54
